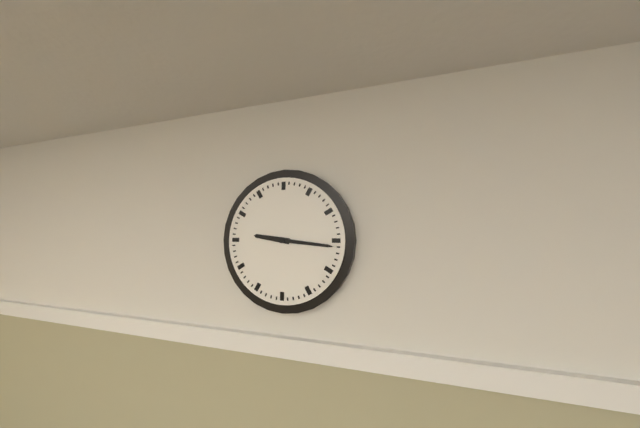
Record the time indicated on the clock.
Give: 9:16
